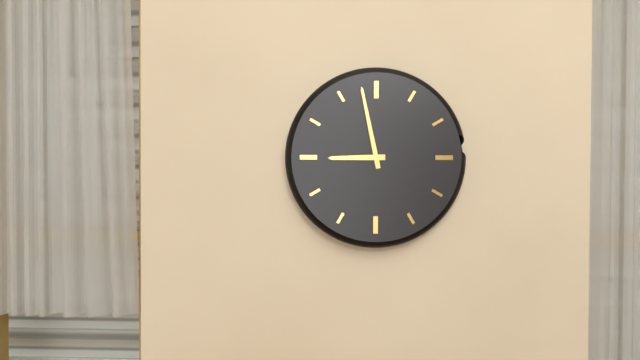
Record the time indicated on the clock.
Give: 8:58
